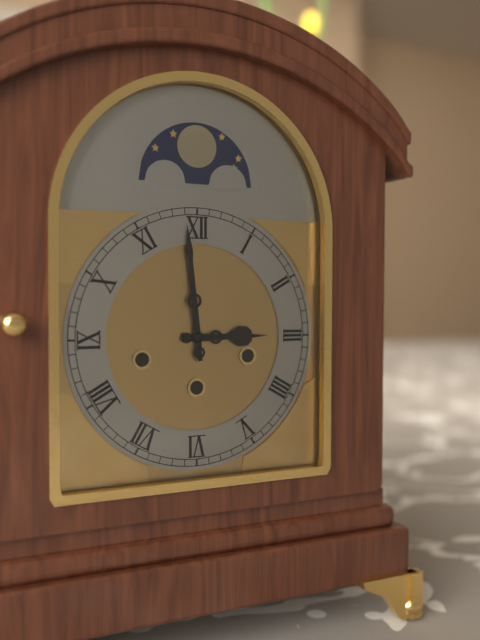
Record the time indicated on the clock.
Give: 2:59
